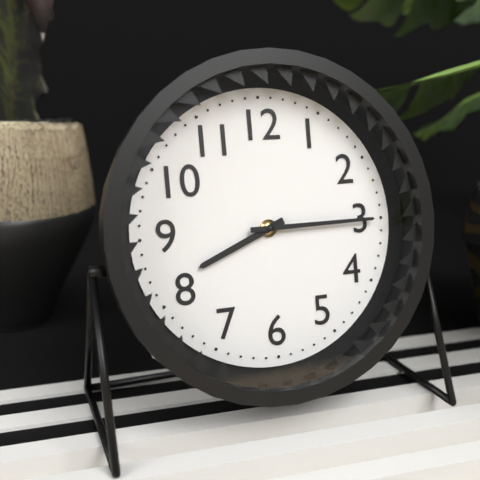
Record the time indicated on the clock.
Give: 8:15
